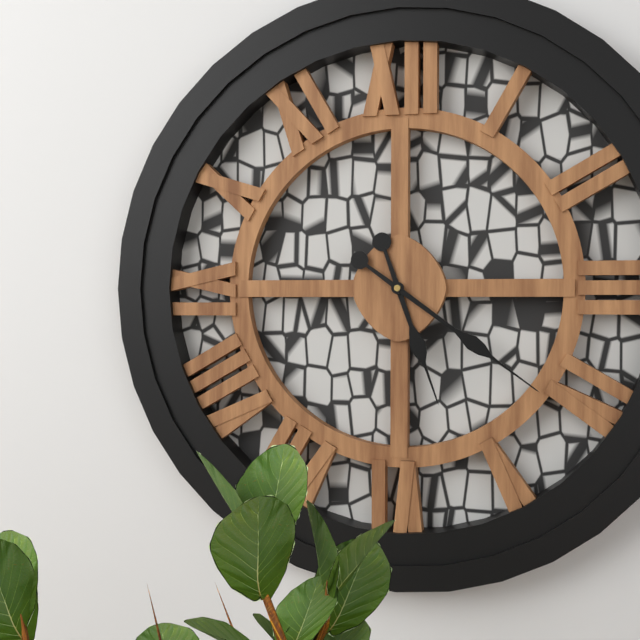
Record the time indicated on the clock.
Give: 5:21
